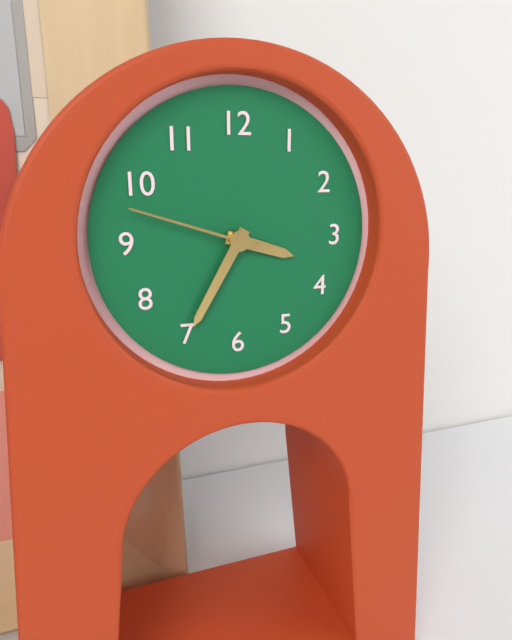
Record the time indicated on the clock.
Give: 3:35:48
